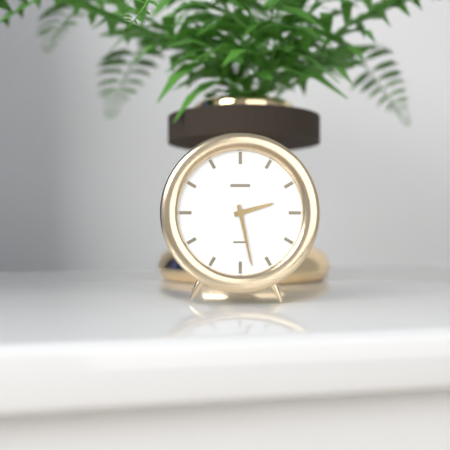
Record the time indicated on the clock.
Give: 2:28
